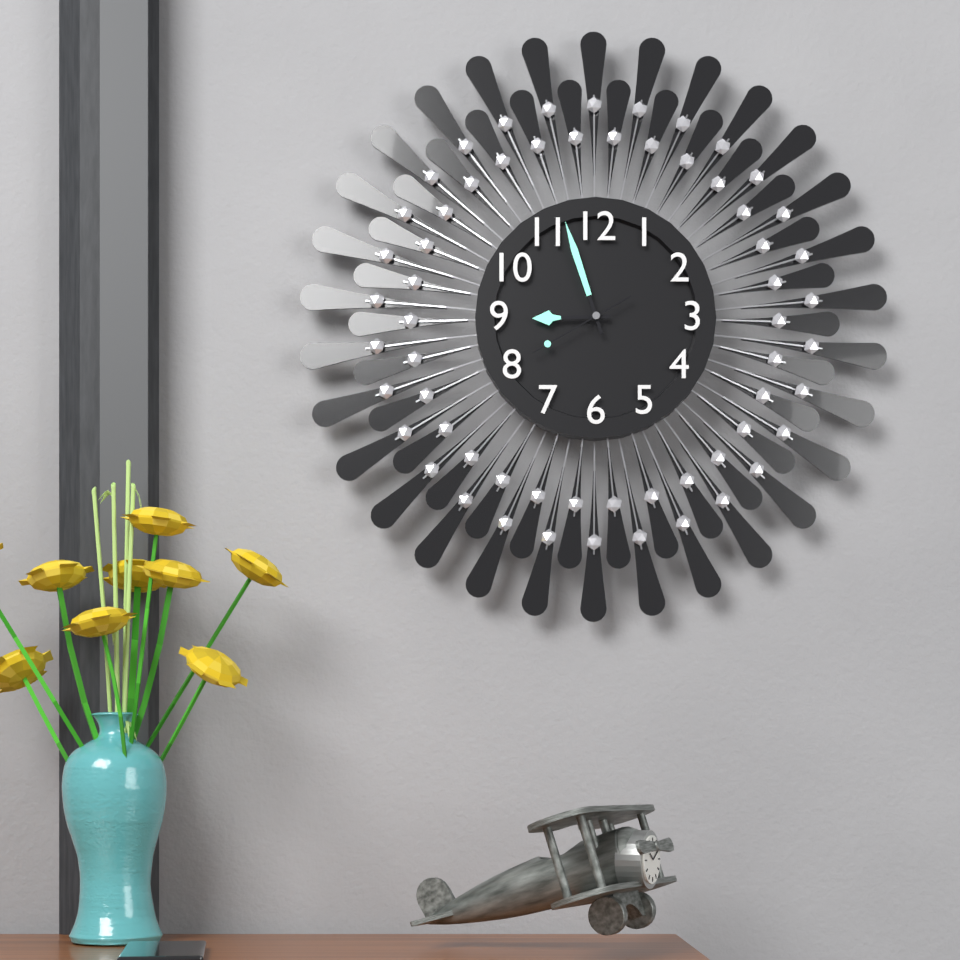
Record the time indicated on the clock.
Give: 8:57:40
